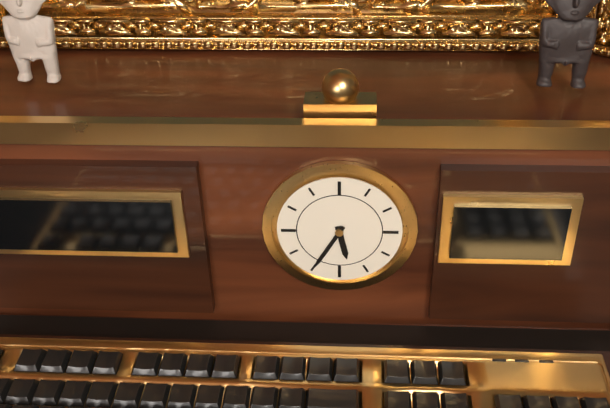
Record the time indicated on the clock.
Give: 5:35
